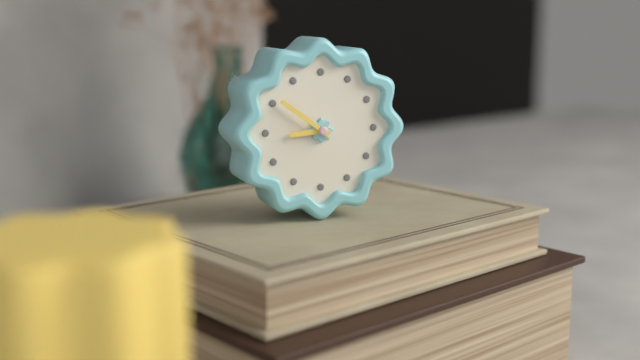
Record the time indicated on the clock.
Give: 8:51
